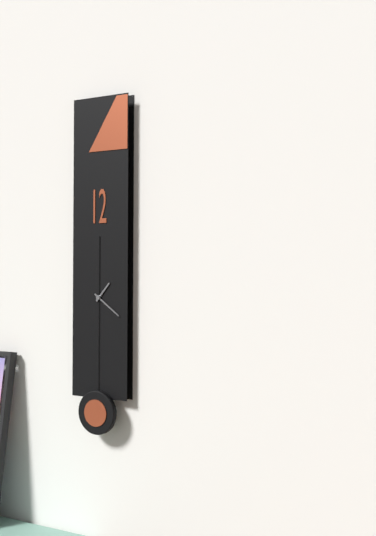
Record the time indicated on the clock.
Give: 1:21
